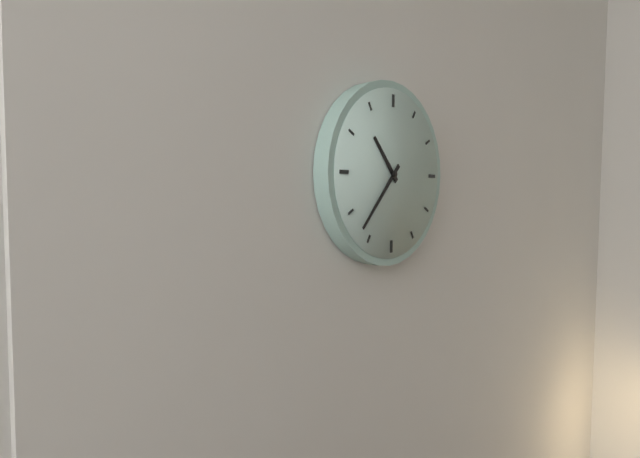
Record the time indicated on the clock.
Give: 10:37
